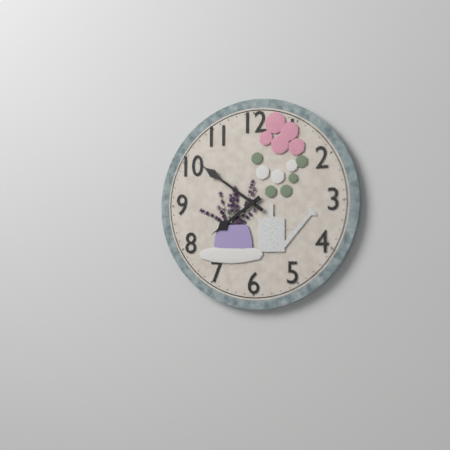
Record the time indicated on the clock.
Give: 7:51
